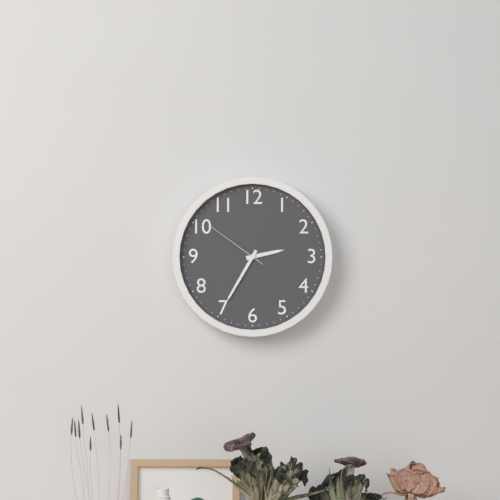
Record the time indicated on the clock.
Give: 2:35:51
